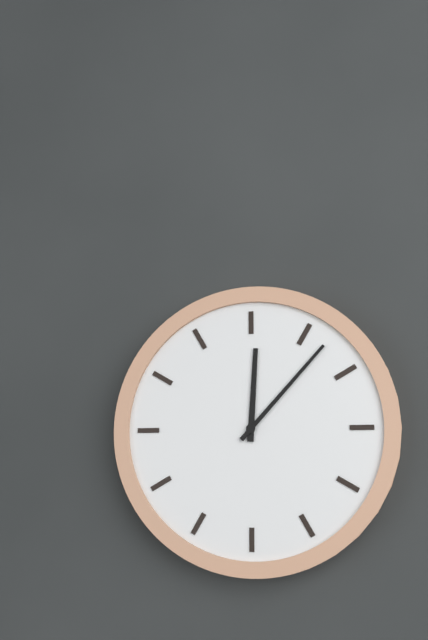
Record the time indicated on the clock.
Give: 12:07
